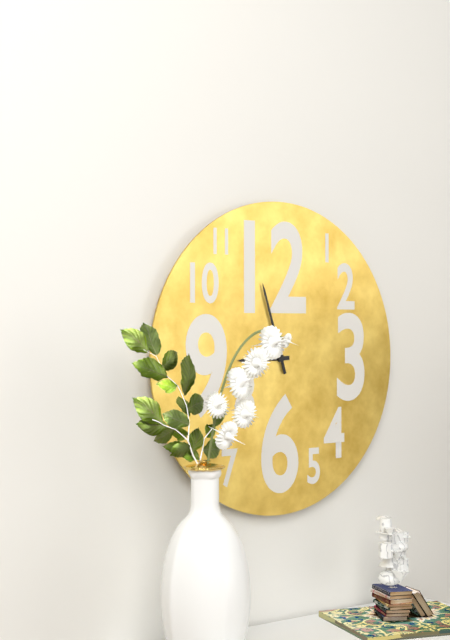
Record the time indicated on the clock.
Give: 8:57
